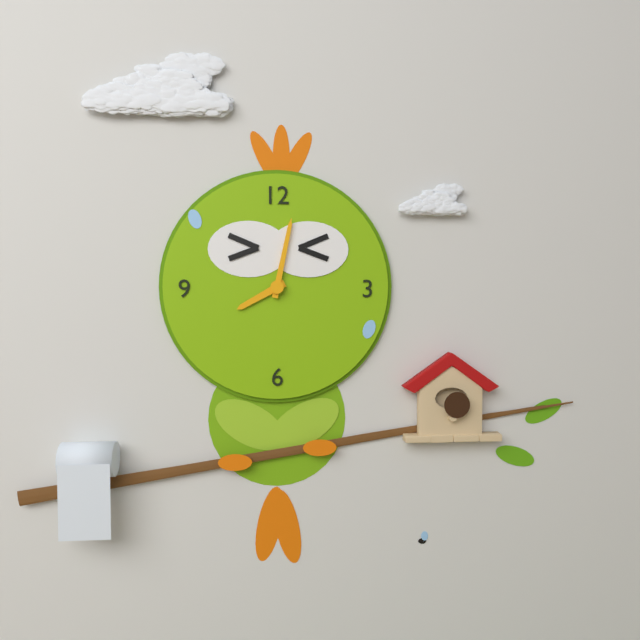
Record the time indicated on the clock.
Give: 8:02
